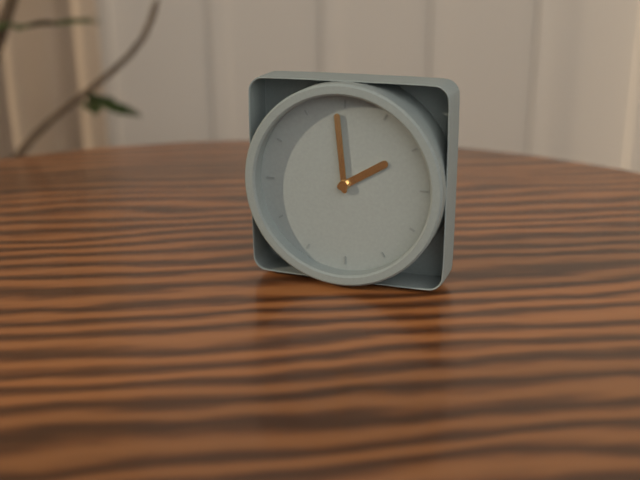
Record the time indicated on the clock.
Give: 1:59
